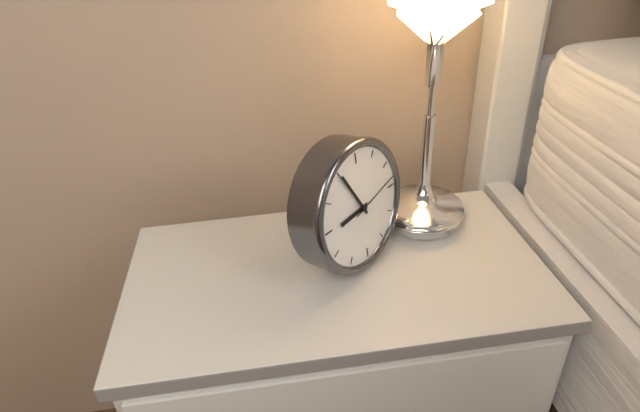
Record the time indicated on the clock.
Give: 8:55:13
